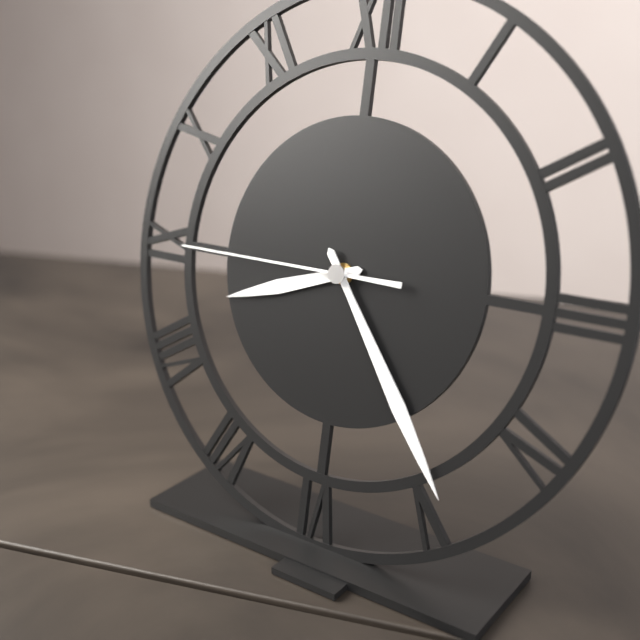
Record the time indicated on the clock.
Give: 8:24:45
